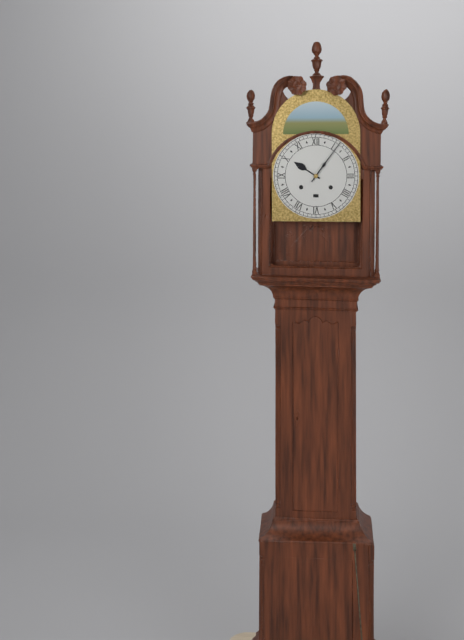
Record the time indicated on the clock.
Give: 10:06
